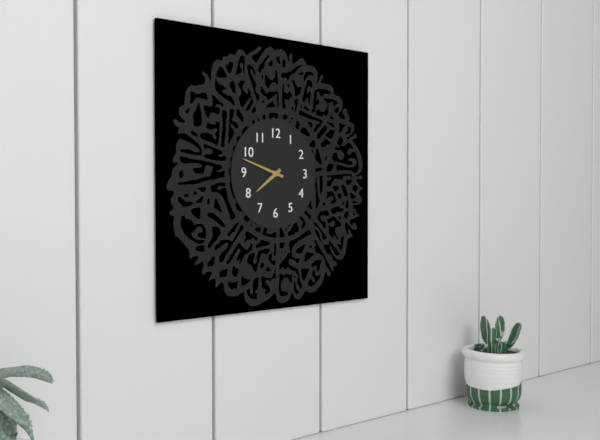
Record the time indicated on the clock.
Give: 7:48
